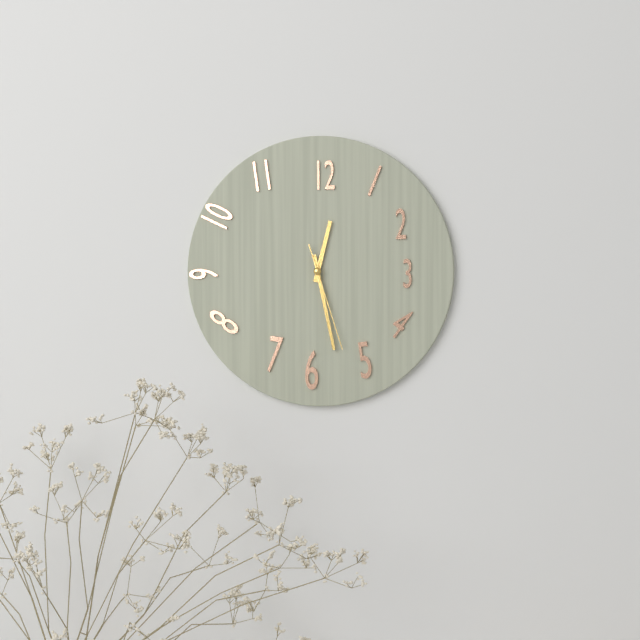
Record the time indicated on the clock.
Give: 12:28:27
